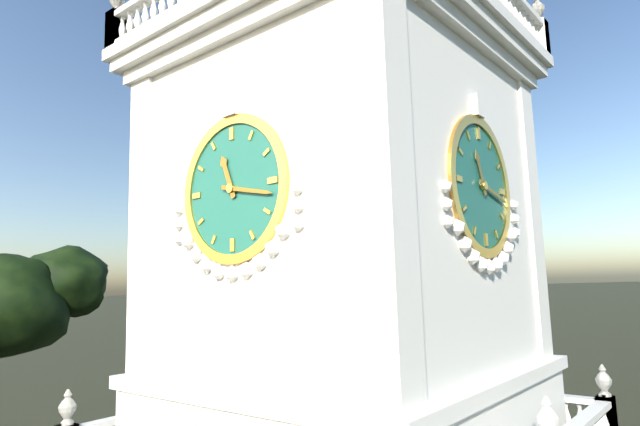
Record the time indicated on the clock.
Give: 11:17
